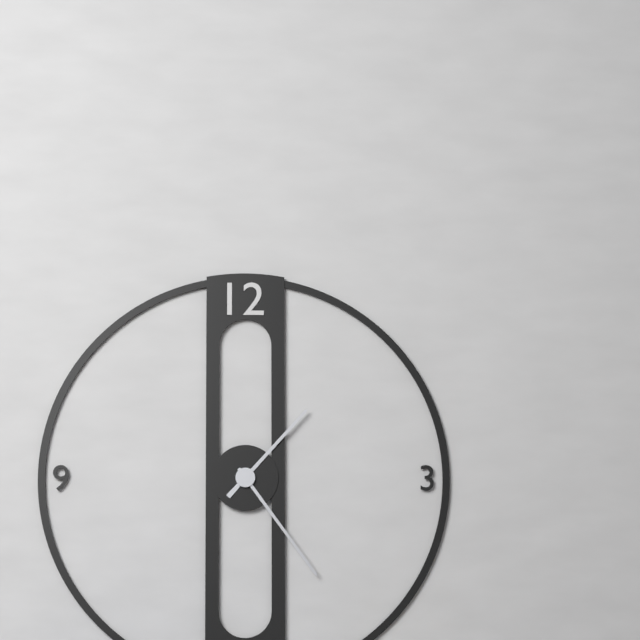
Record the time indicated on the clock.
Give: 1:24
